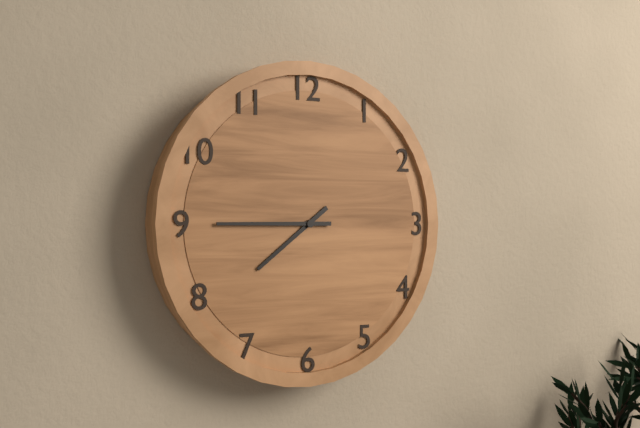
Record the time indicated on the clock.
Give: 7:45
